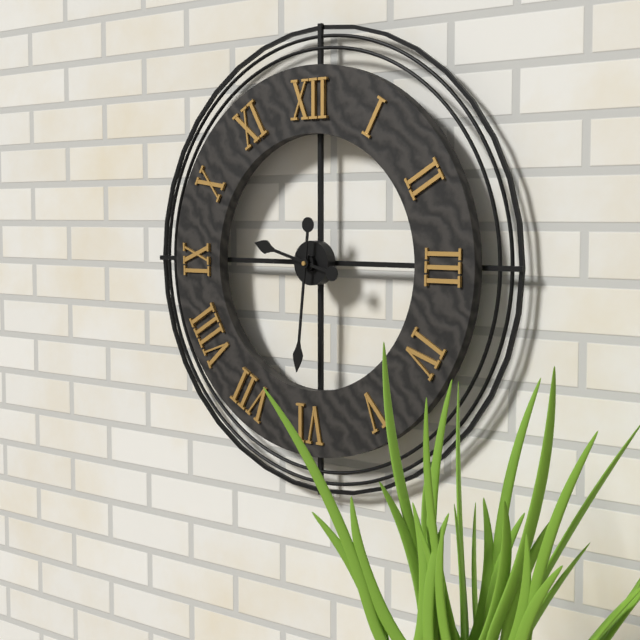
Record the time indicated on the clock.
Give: 9:31
